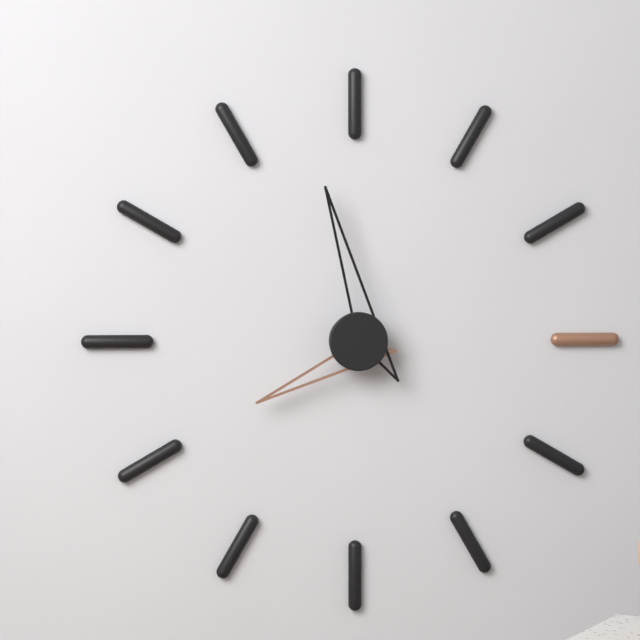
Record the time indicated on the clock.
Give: 7:58
